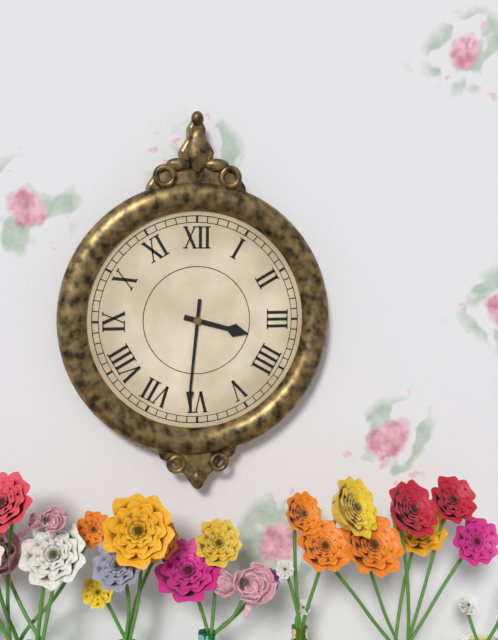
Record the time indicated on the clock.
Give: 3:31
